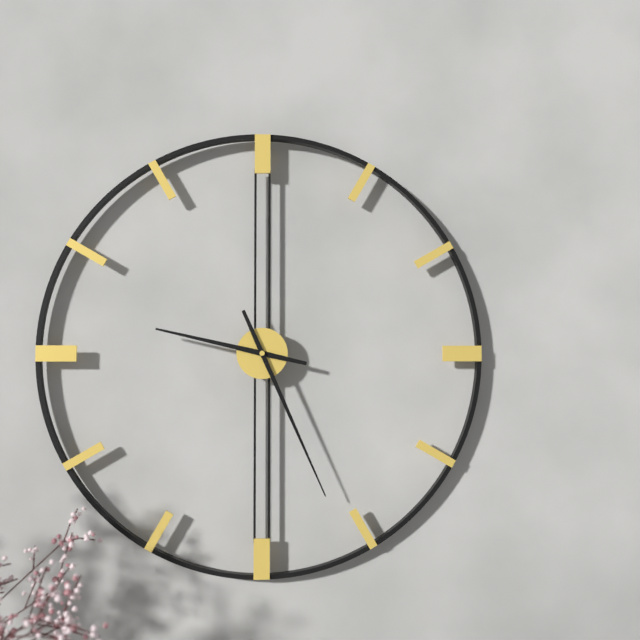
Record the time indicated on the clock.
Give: 9:26
